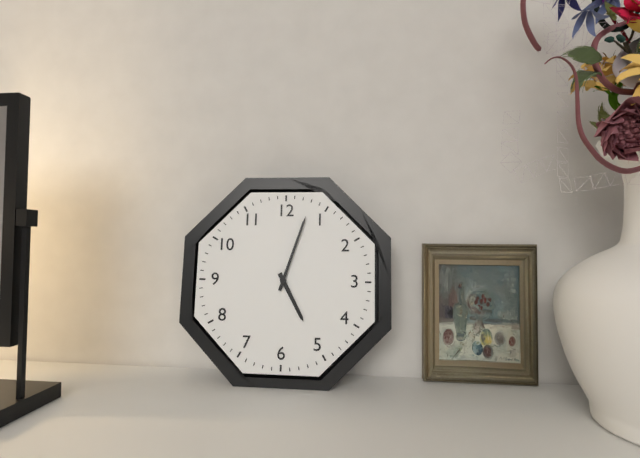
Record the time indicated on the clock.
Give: 5:03
